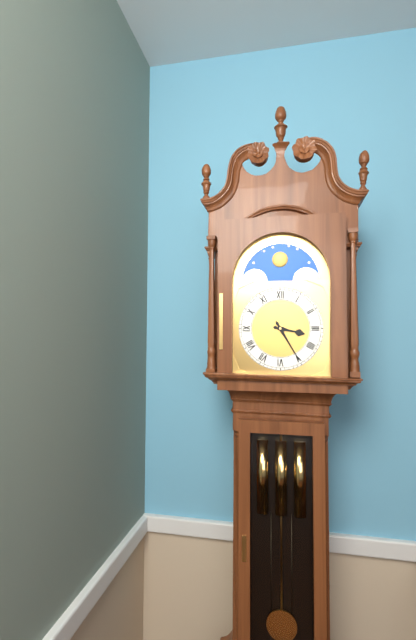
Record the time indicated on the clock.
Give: 3:25
